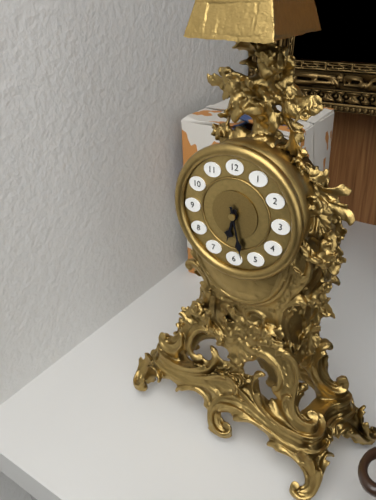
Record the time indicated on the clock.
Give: 6:28
